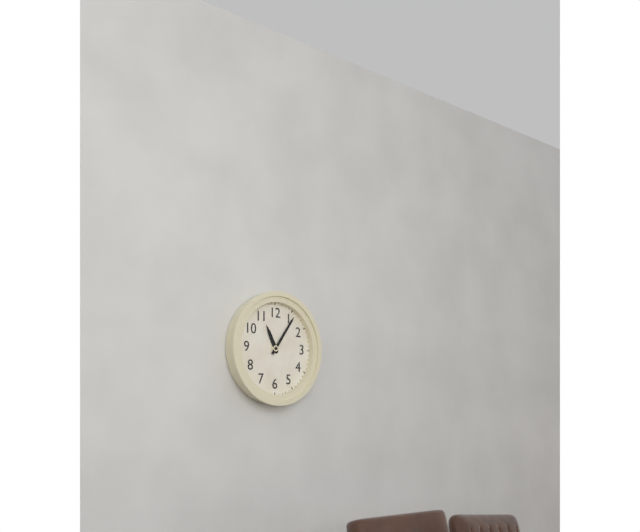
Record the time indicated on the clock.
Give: 11:06
